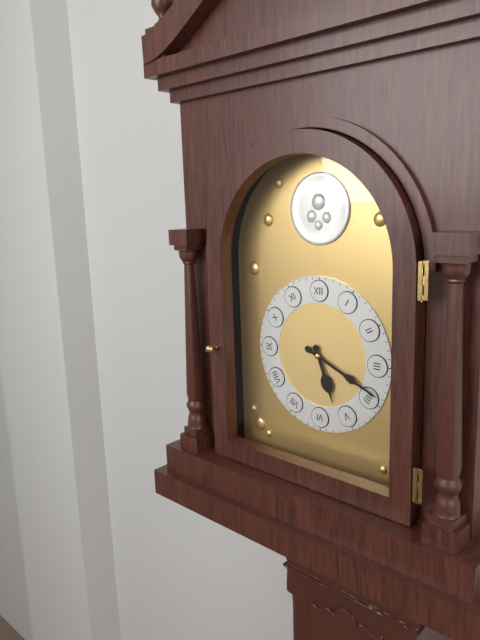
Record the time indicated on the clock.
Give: 5:19
